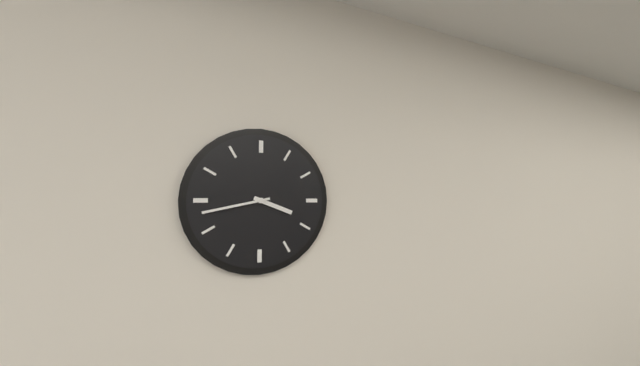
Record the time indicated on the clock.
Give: 3:43
